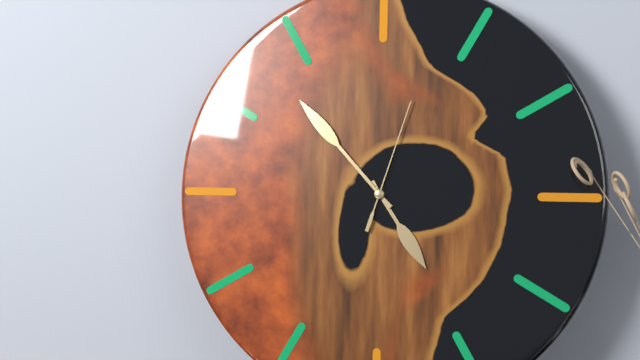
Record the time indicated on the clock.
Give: 4:53:03
